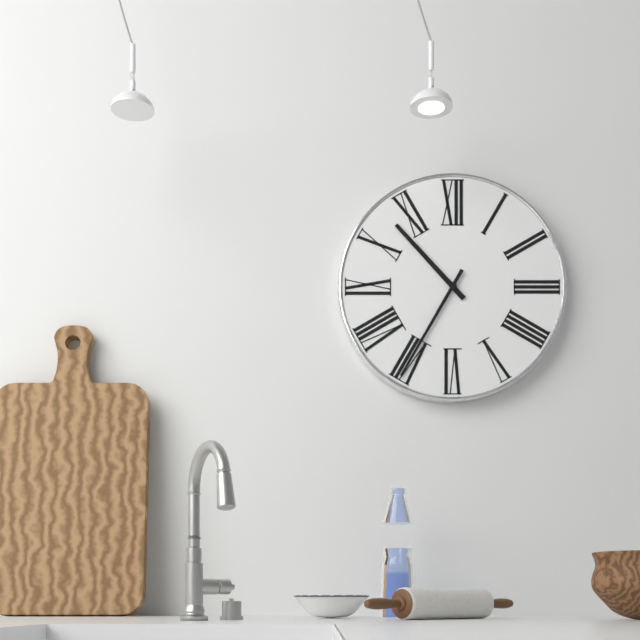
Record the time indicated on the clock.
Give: 10:35
